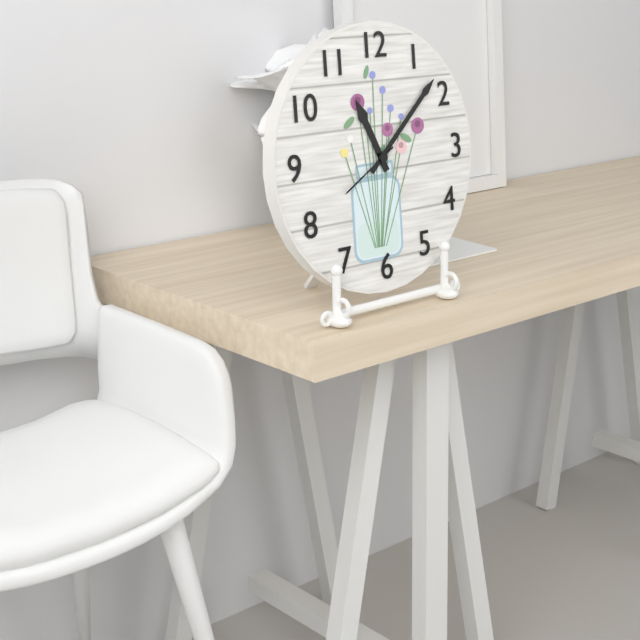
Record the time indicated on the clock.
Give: 11:08:40
